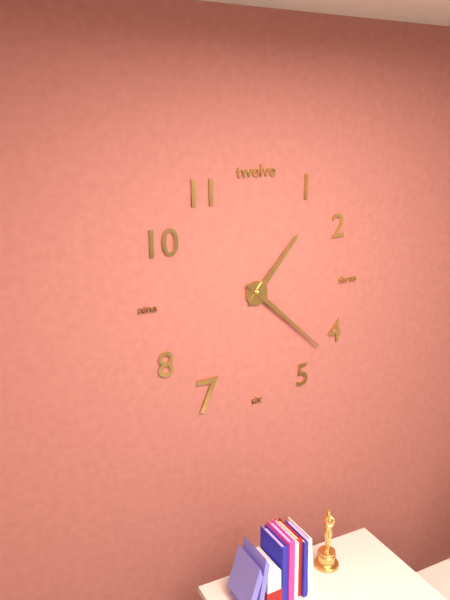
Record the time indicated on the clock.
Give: 1:22
